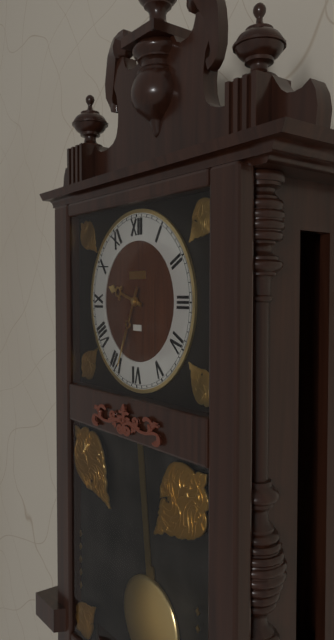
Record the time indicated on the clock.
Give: 9:34
